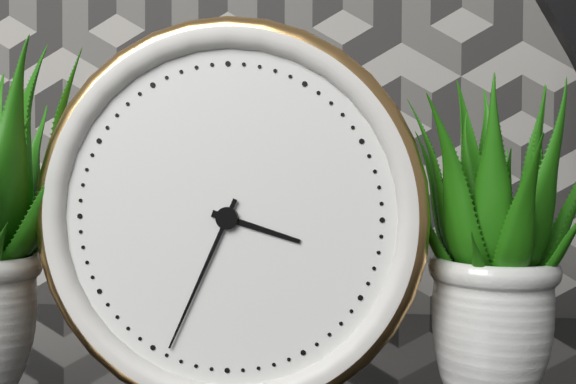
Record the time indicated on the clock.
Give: 3:34
